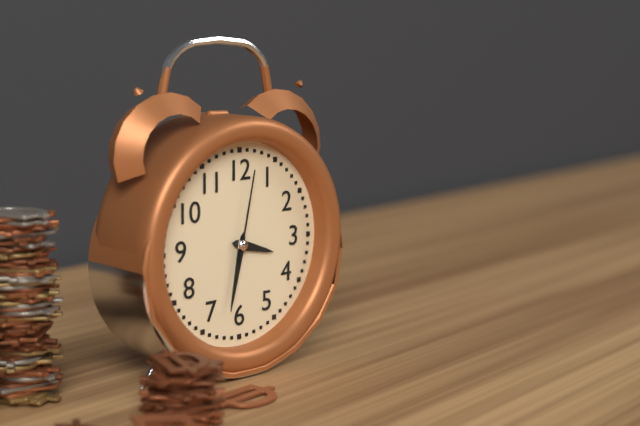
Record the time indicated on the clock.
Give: 3:32:02
